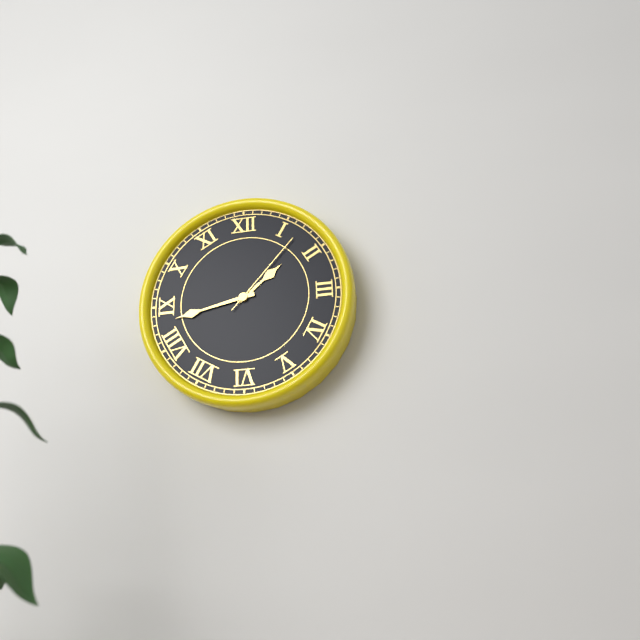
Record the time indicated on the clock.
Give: 1:43:07
